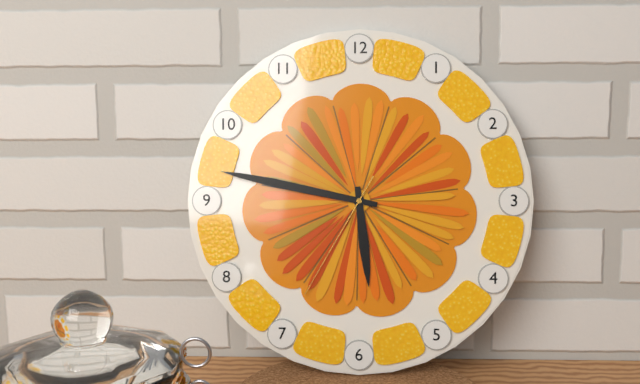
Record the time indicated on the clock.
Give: 5:47:35
